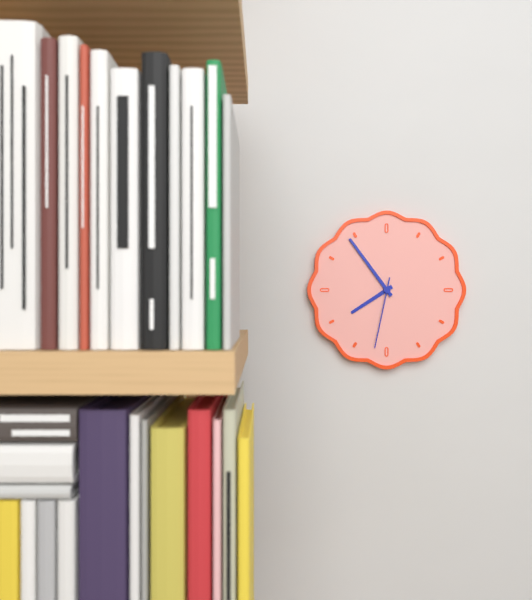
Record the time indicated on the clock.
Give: 7:54:32
